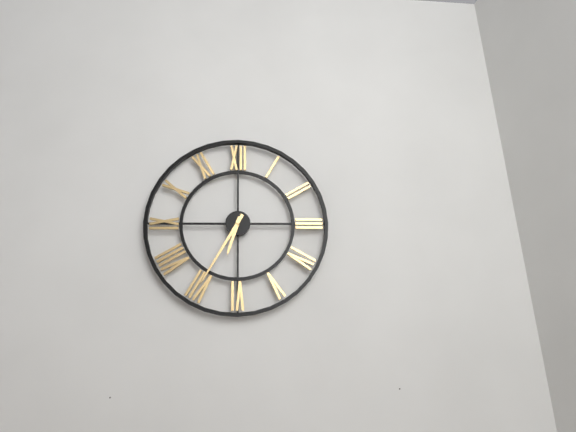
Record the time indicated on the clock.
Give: 6:35
